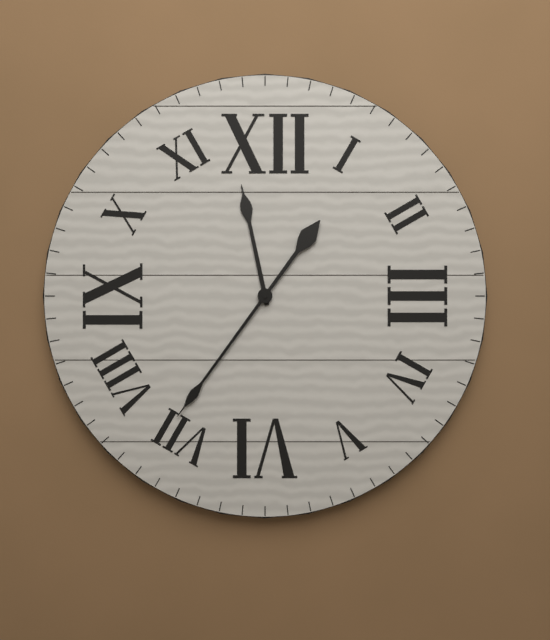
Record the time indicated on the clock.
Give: 11:36
